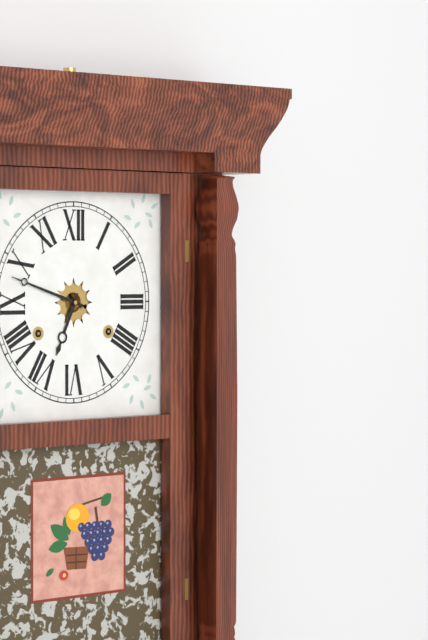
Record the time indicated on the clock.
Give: 6:48
